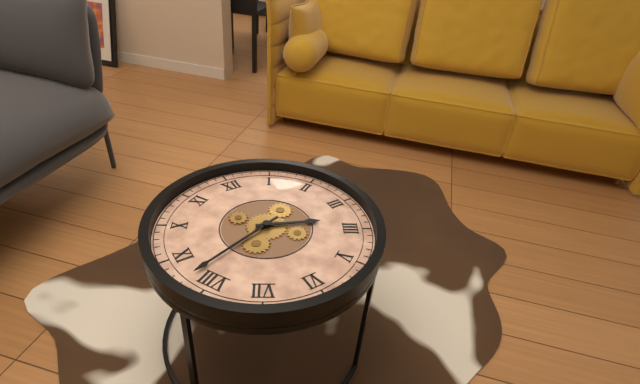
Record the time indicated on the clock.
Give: 3:42
